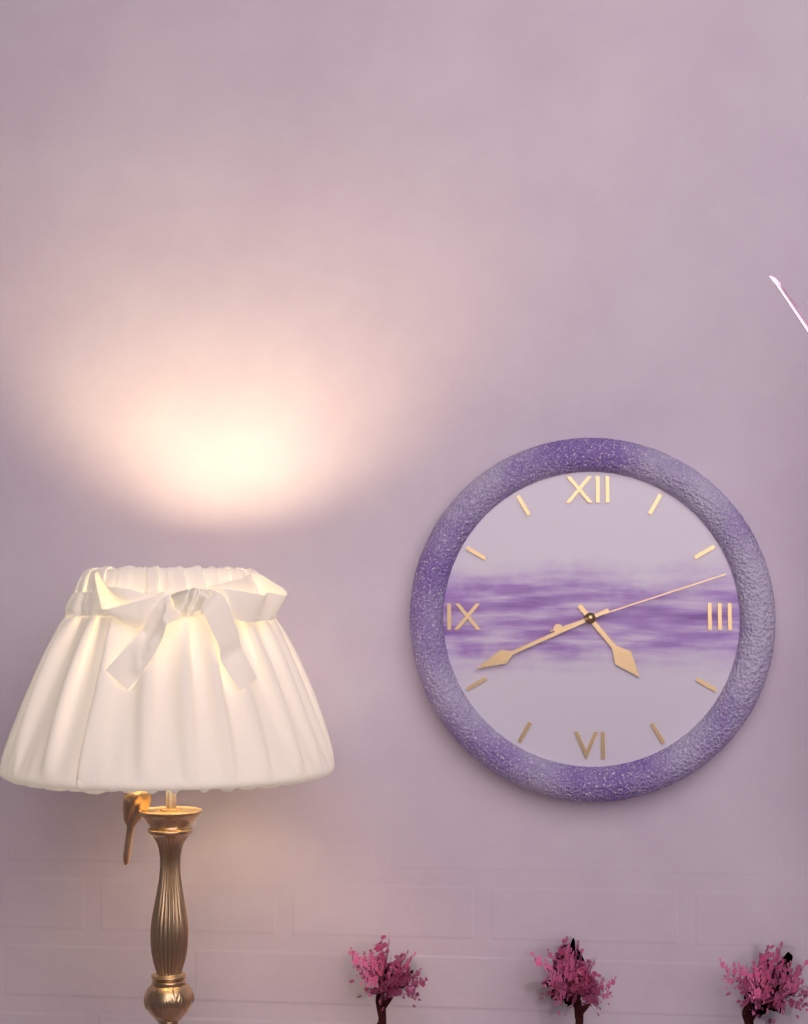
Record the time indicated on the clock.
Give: 4:41:12
